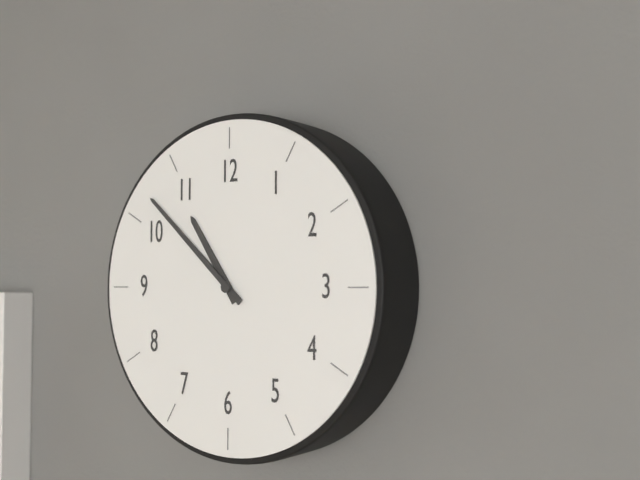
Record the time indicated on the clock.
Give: 10:52
